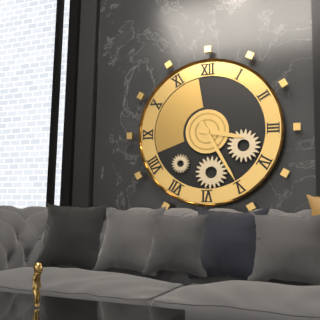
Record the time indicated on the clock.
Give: 3:25
